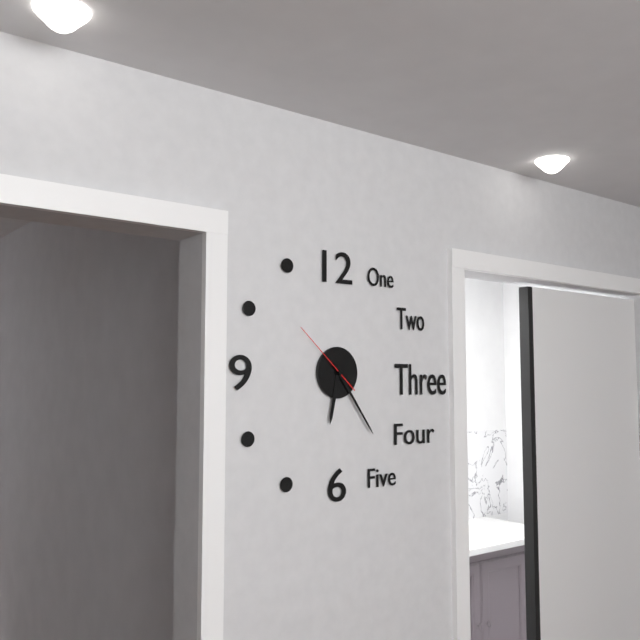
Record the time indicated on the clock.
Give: 6:24:52
